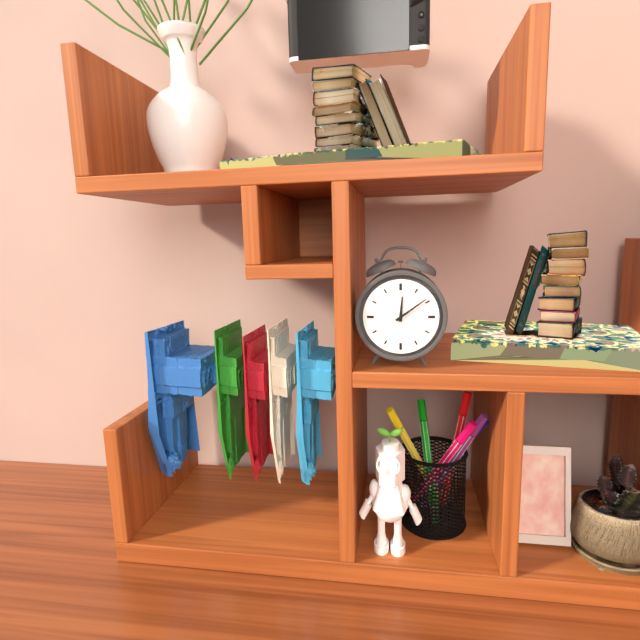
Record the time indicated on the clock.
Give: 12:09
